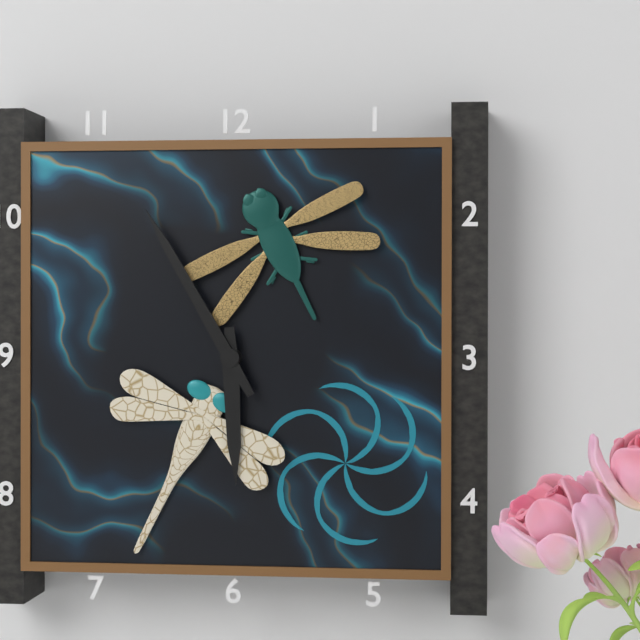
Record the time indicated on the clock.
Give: 5:55
